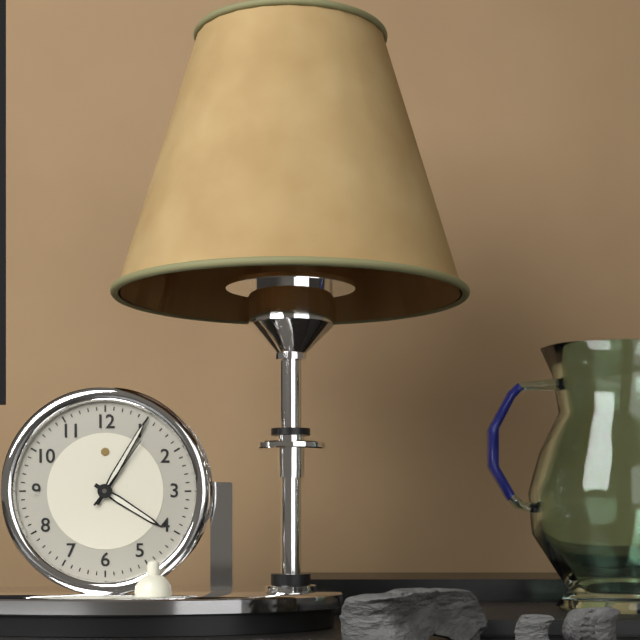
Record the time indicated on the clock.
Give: 4:05:06
